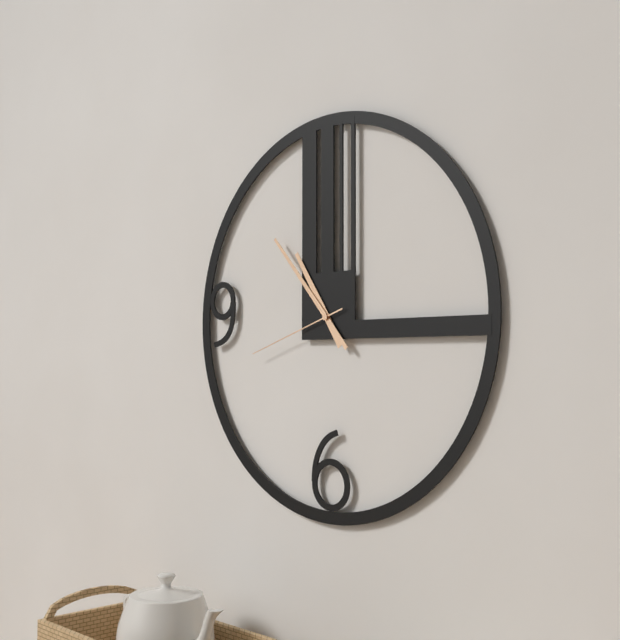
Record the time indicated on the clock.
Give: 10:53:42
